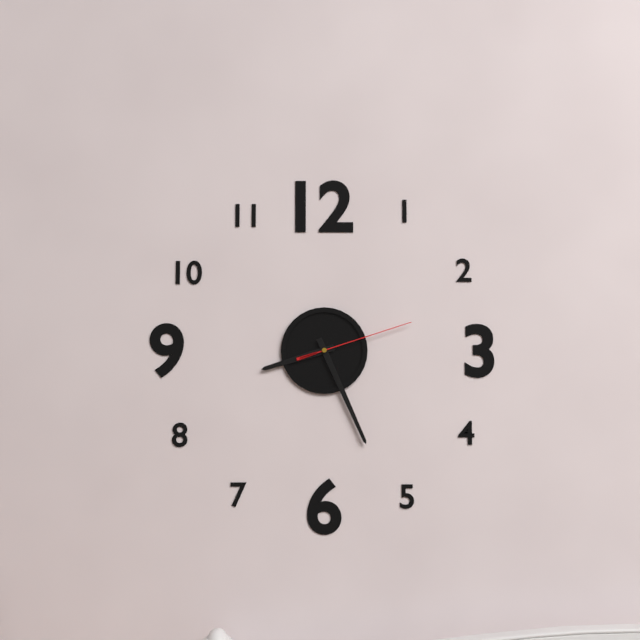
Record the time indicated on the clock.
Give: 8:26:12
